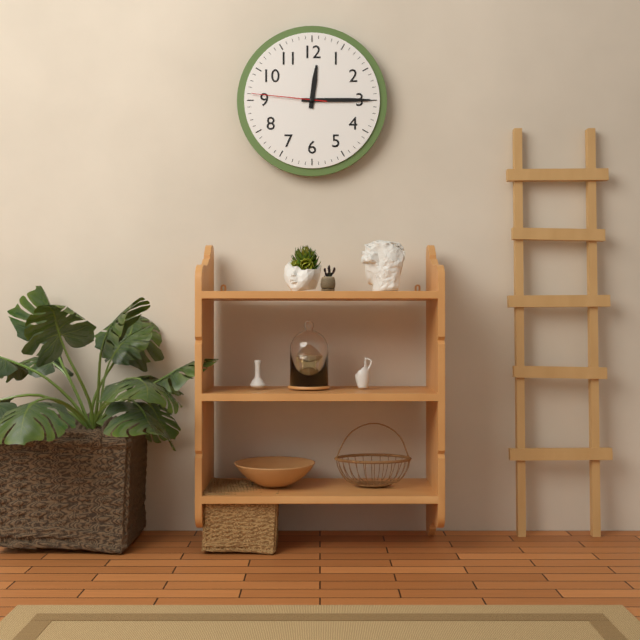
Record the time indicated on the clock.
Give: 12:15:46
